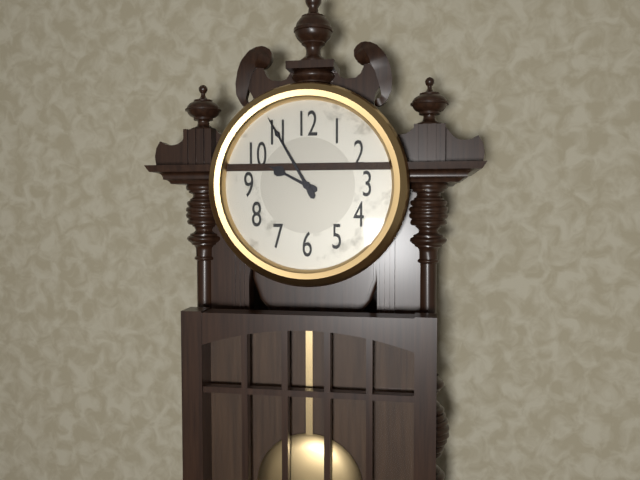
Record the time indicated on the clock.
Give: 9:55
